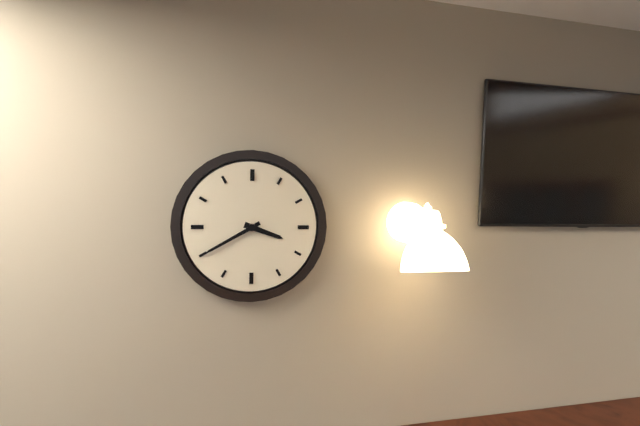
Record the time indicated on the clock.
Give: 3:40
